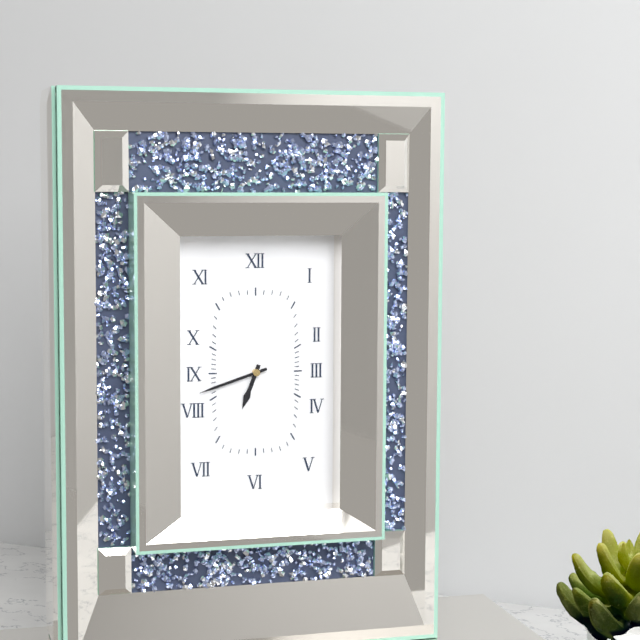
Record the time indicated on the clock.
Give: 6:42
